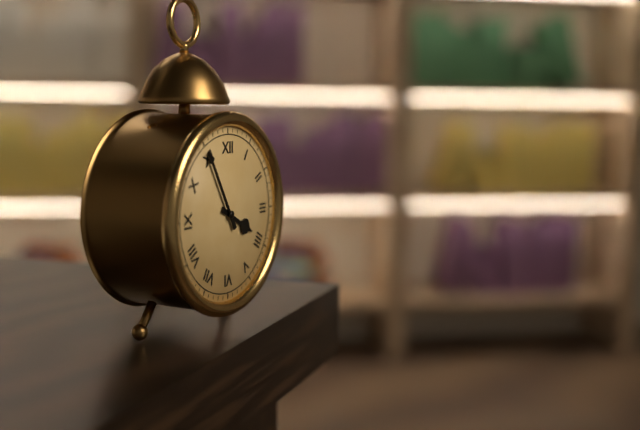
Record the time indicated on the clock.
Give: 3:55
